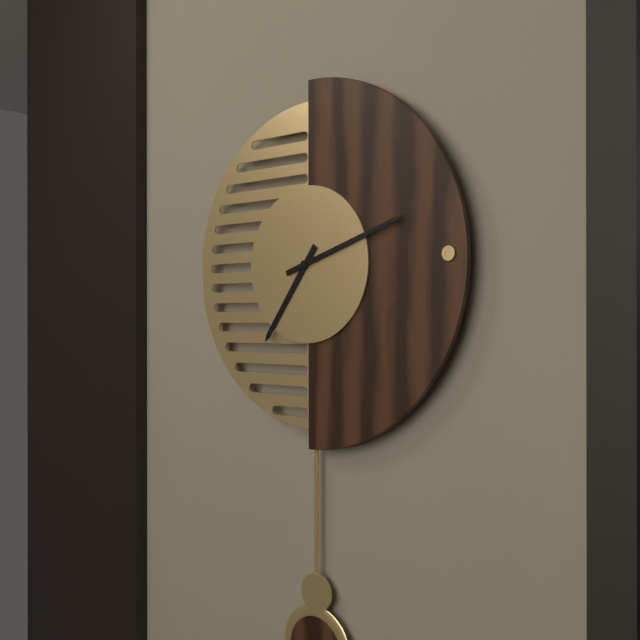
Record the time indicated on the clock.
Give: 7:12
